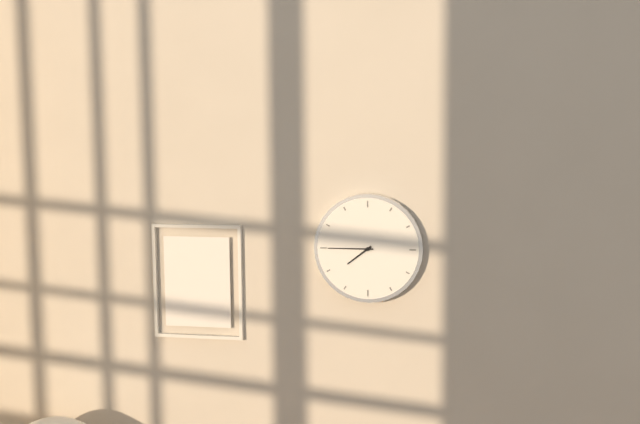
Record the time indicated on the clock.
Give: 7:45
